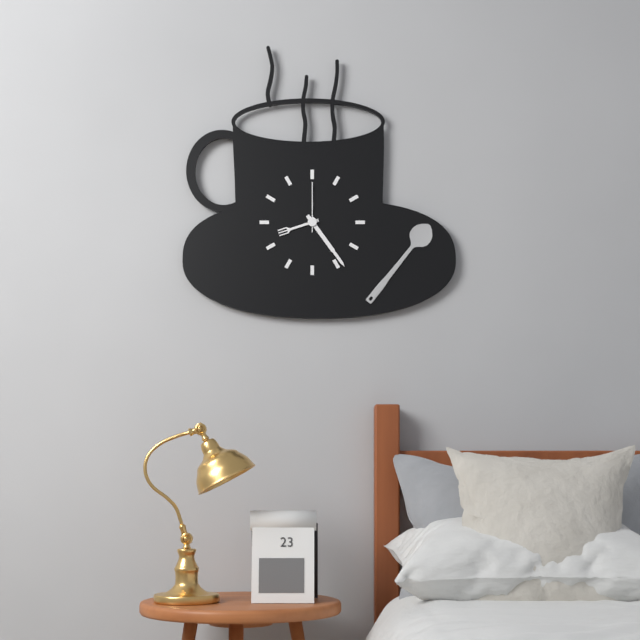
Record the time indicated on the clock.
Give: 8:24:00
